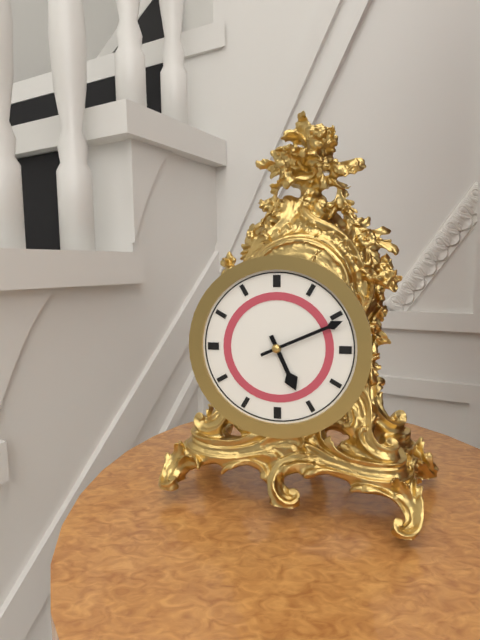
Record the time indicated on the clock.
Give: 5:11
